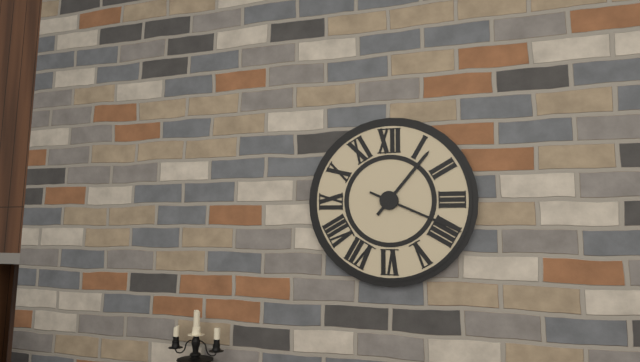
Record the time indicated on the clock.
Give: 1:19
